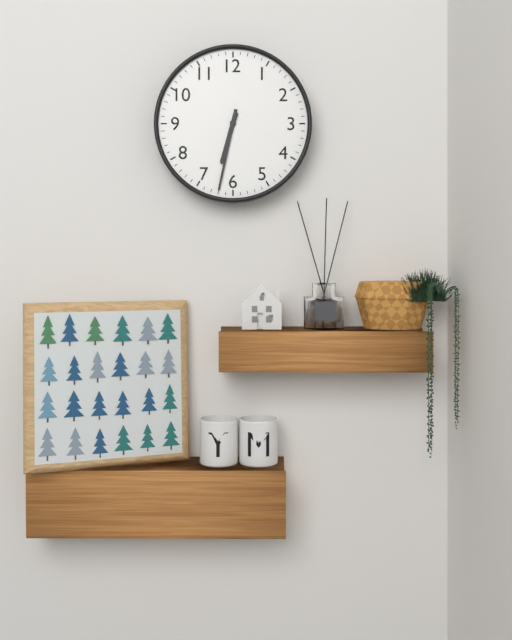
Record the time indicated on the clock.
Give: 6:32
